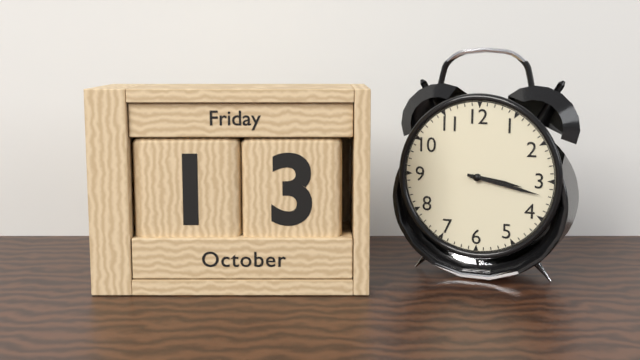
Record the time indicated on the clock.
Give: 3:17
